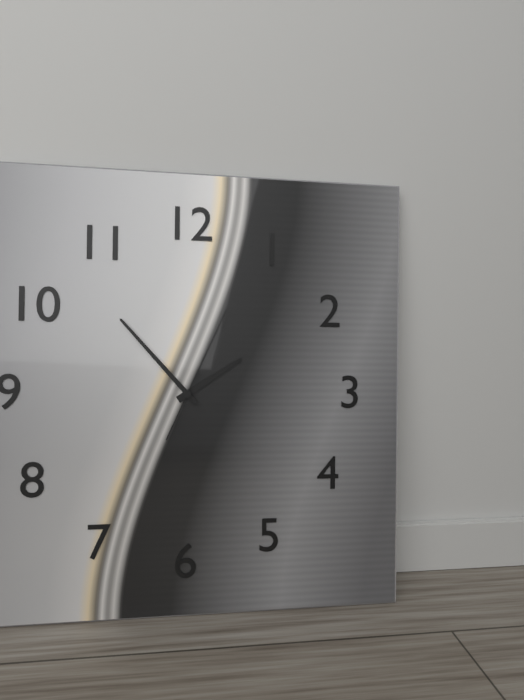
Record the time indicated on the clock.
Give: 1:53:04
